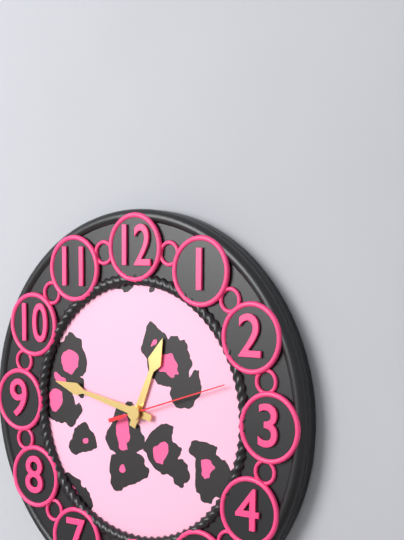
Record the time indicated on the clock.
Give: 12:47:12
